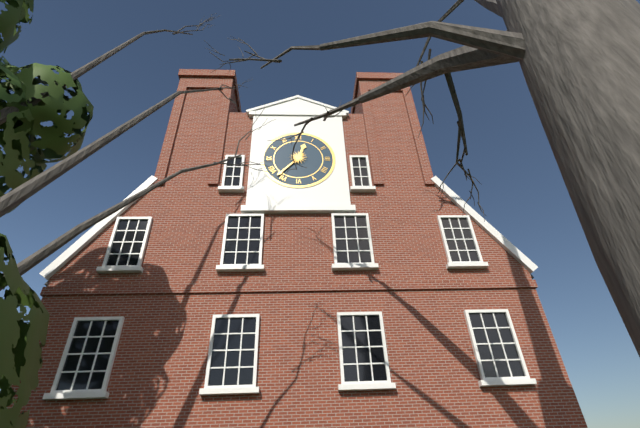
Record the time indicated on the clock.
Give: 12:37
